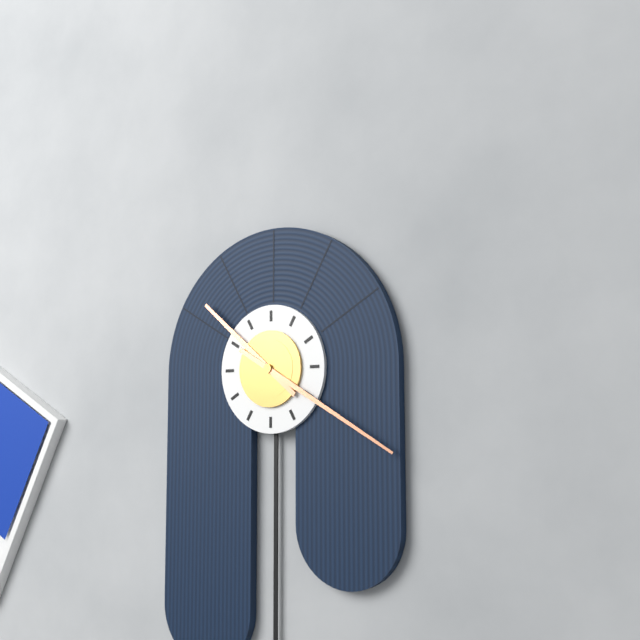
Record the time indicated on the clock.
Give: 10:20
